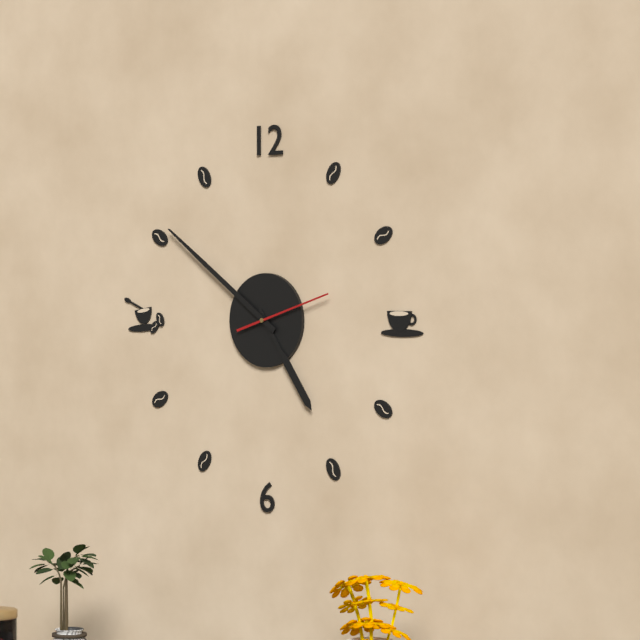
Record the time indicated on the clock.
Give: 4:51:12
